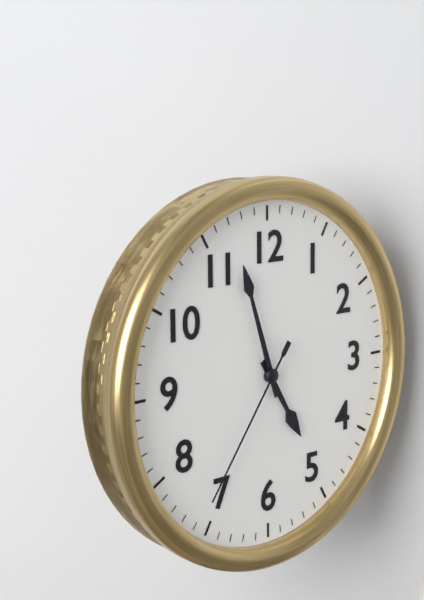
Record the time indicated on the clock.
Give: 4:57:36
